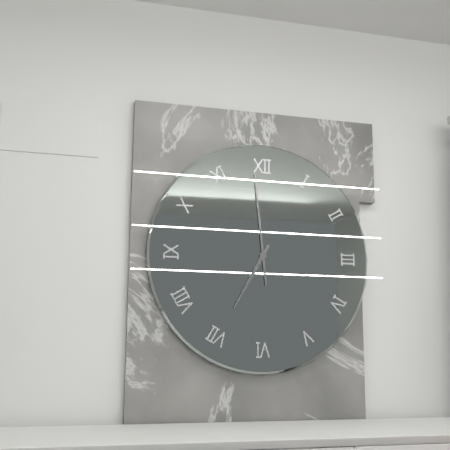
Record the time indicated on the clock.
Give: 6:59
